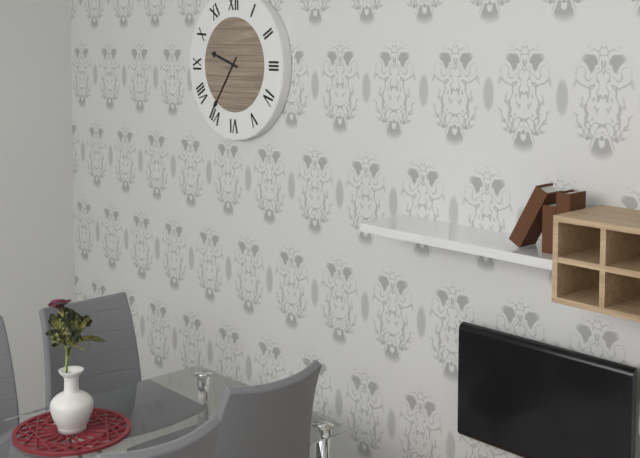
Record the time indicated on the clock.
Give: 9:36
